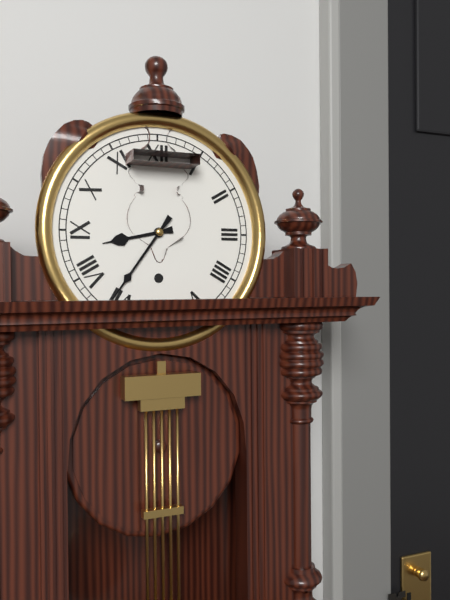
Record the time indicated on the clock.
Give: 8:36
